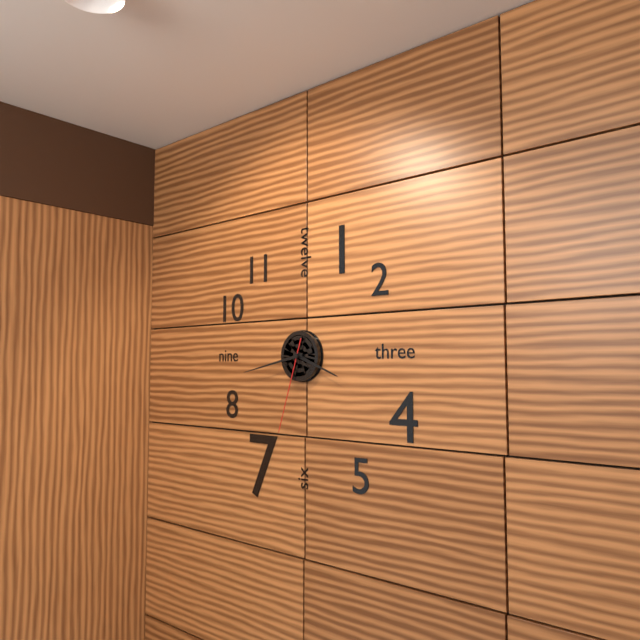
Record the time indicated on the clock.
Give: 3:43:33
